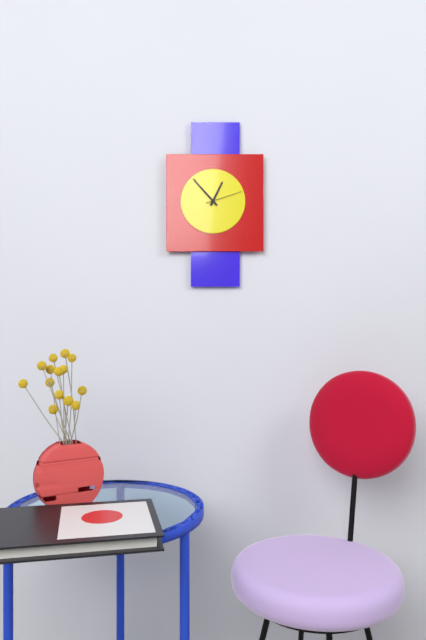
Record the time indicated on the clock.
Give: 12:53
